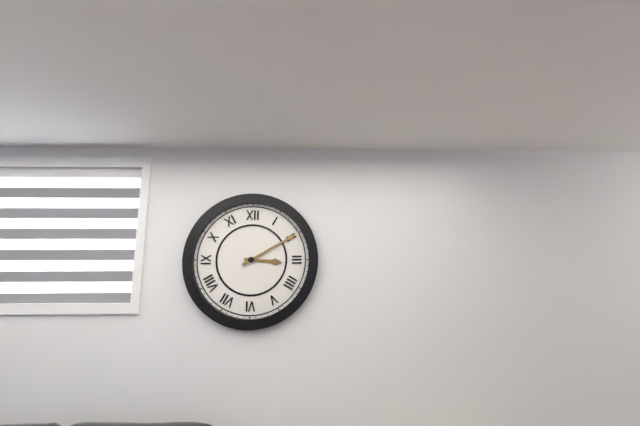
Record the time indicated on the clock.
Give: 3:10
